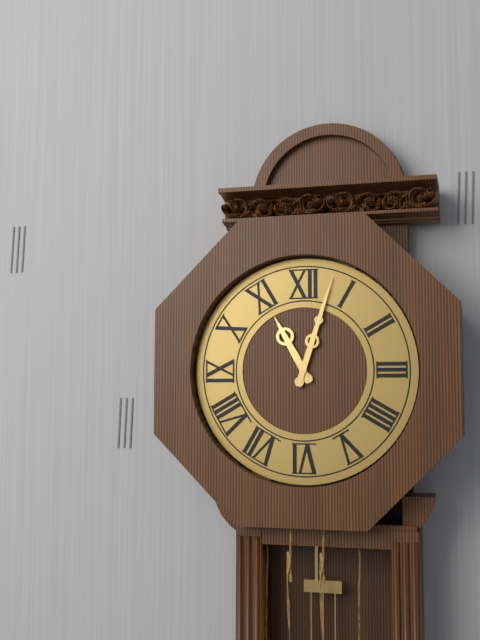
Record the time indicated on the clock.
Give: 11:03
